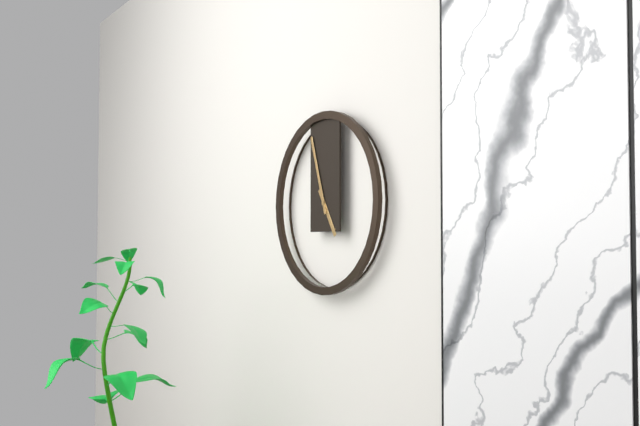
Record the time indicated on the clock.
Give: 4:57
